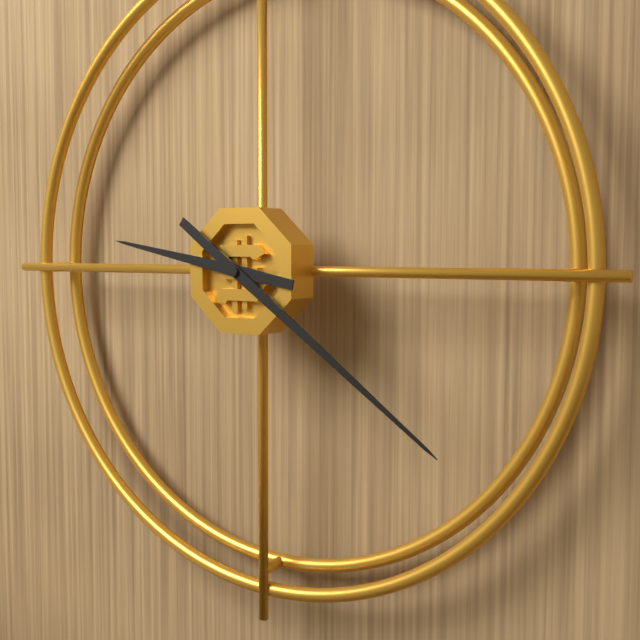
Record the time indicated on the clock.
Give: 9:21
